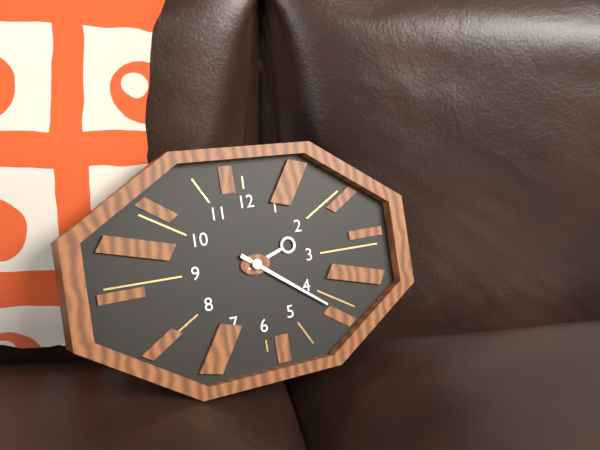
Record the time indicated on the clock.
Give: 2:21
